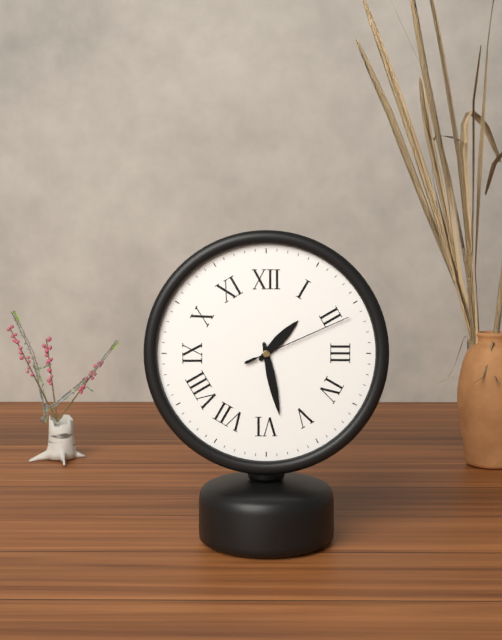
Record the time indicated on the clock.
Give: 1:28:11
